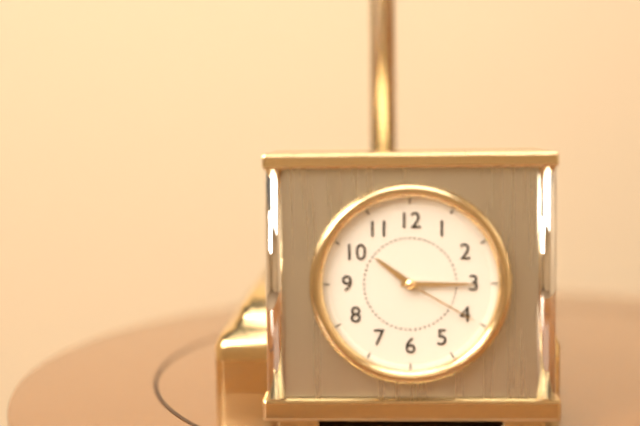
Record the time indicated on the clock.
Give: 10:15:20
